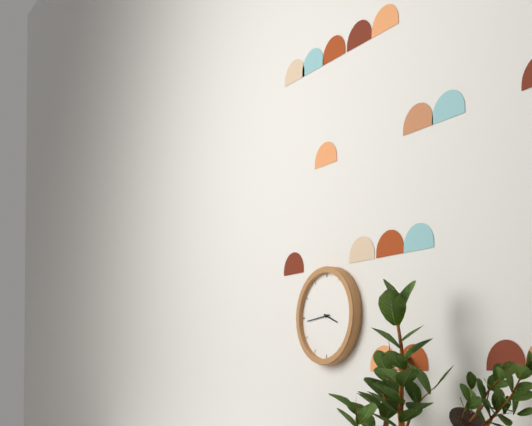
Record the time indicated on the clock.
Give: 3:44
